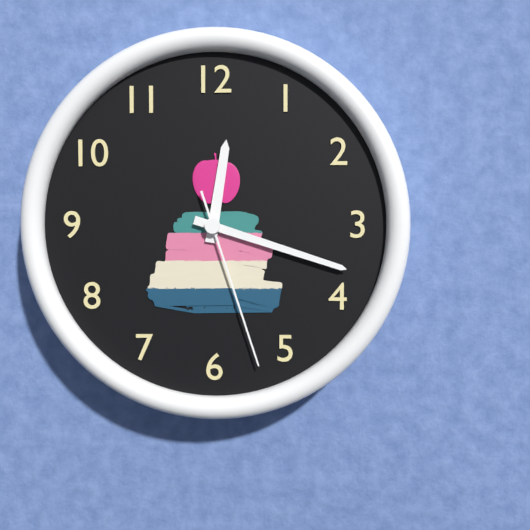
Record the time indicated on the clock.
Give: 12:18:27
